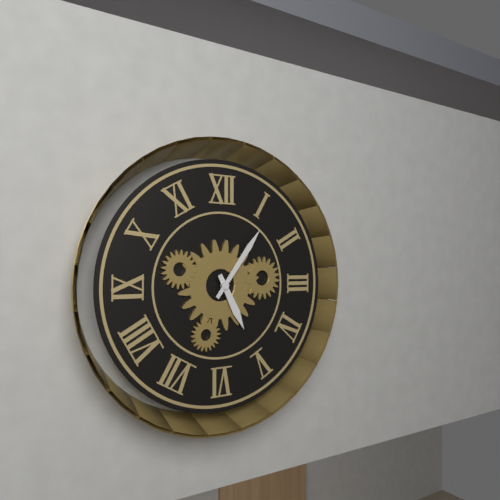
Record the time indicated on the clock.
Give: 5:06
